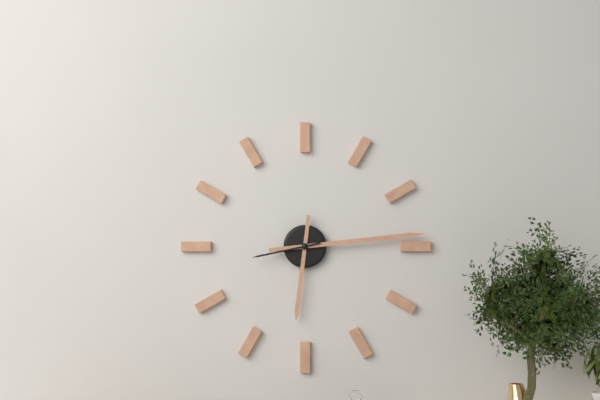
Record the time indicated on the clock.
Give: 6:14:43
